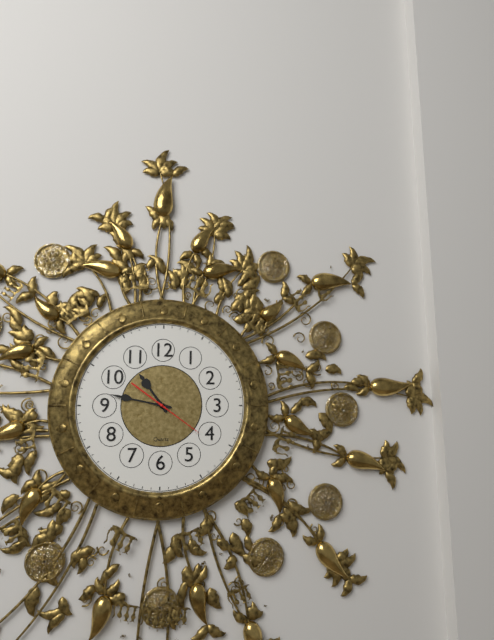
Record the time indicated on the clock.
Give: 10:47:21
